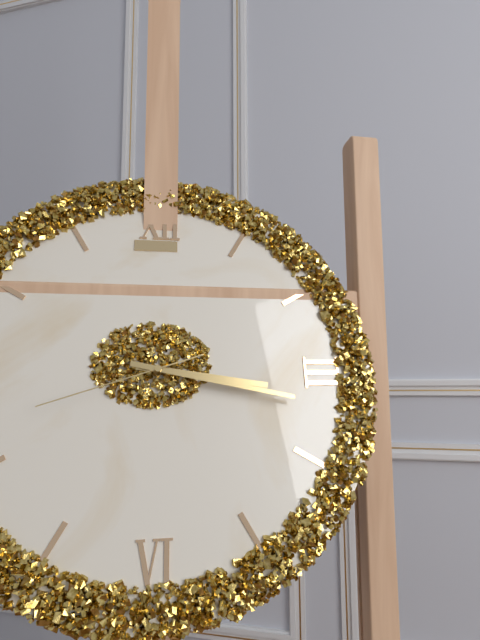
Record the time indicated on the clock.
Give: 3:17:42
